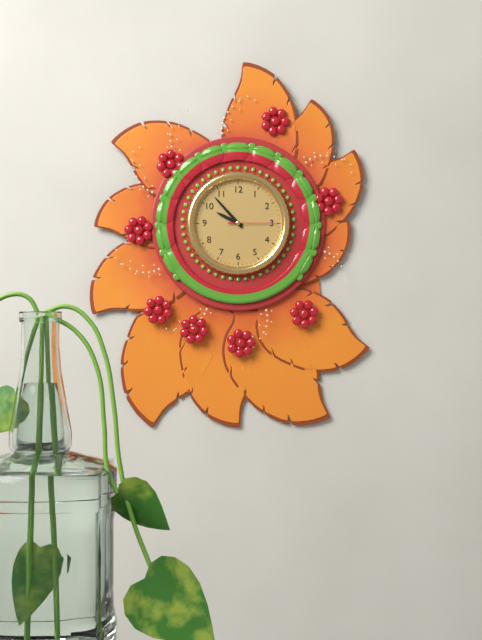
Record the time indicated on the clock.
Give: 9:53
